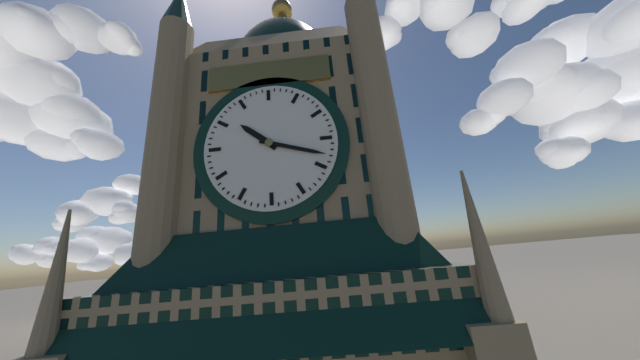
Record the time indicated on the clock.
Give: 10:18
